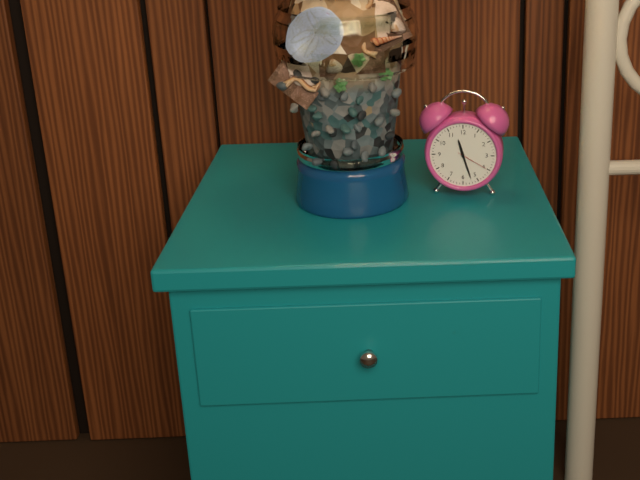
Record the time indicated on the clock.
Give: 11:27
